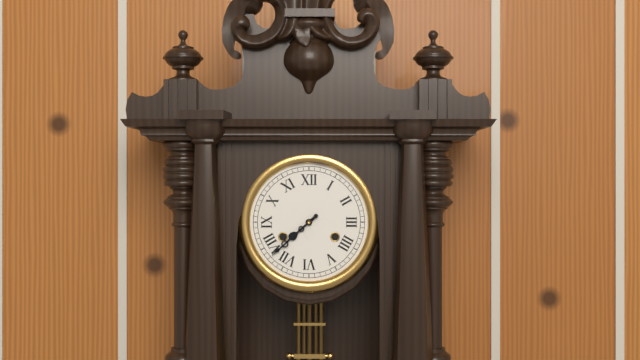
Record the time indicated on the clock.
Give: 7:38
